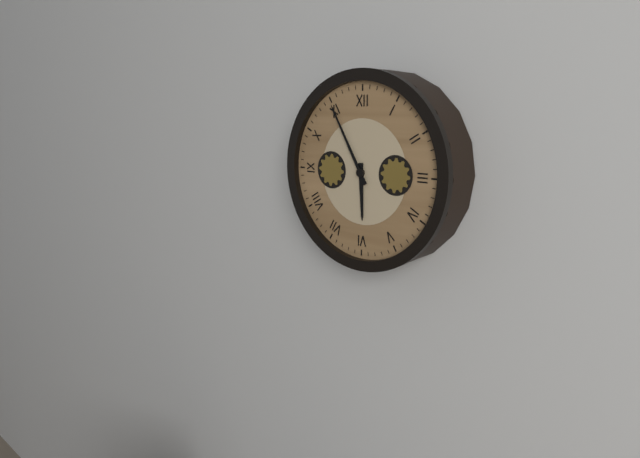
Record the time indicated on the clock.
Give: 5:55
